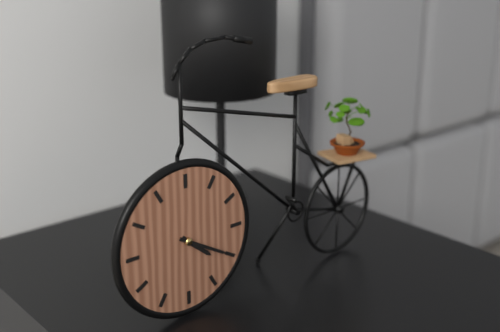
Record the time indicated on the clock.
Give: 4:20
